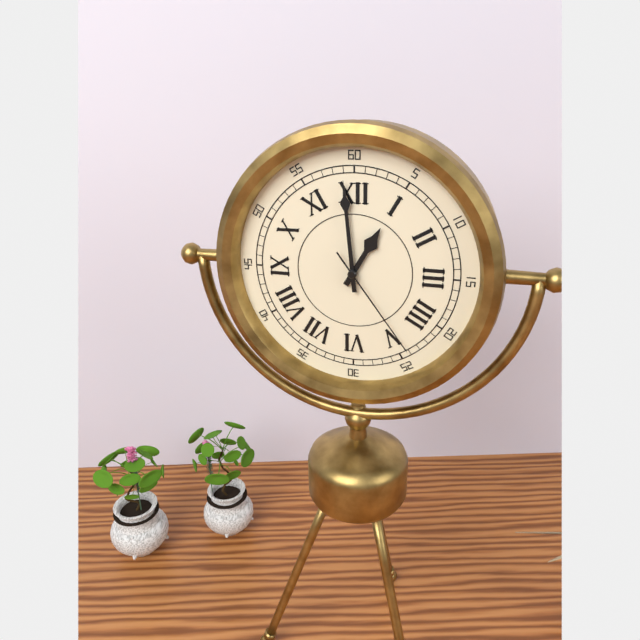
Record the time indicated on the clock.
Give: 12:59:24
